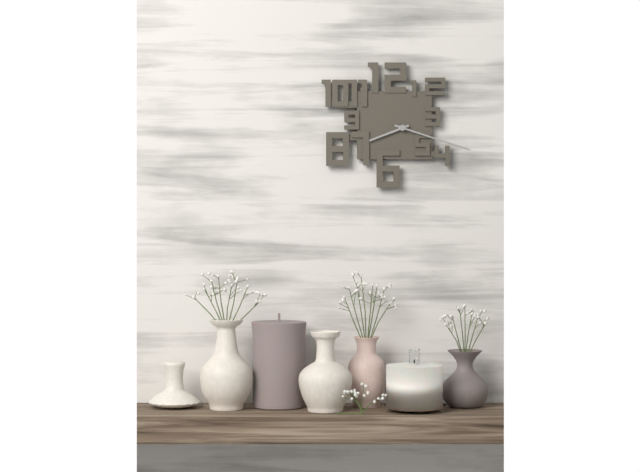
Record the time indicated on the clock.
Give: 8:18
